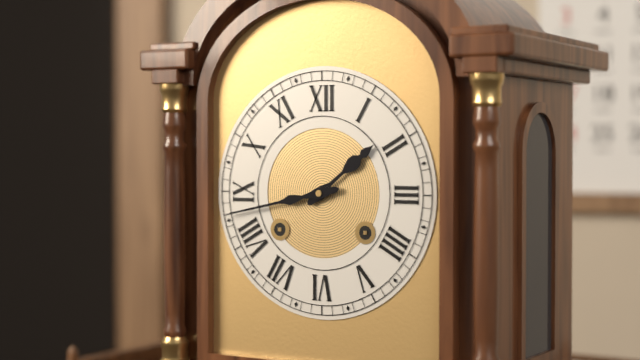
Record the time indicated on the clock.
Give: 1:43
